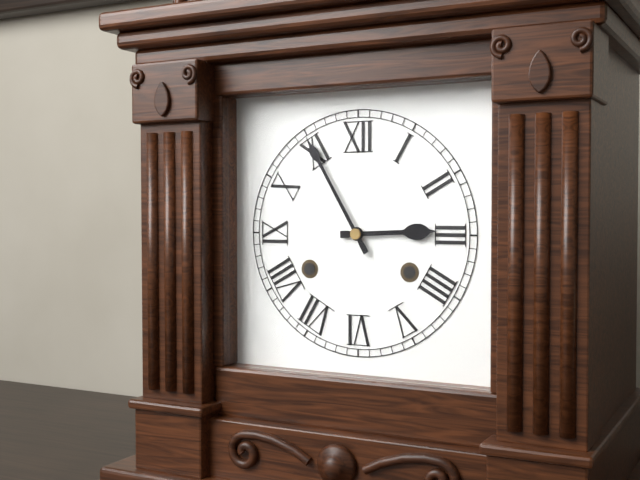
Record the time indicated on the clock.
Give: 2:55
